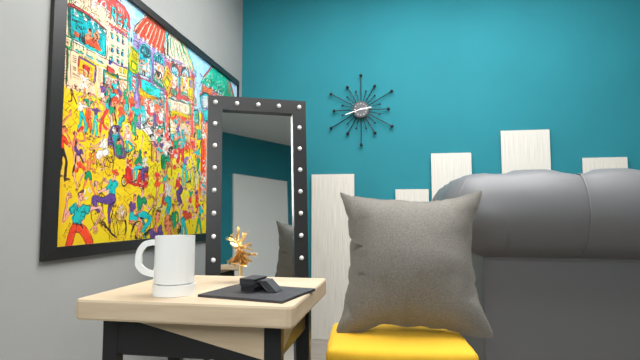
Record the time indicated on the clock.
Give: 2:42
